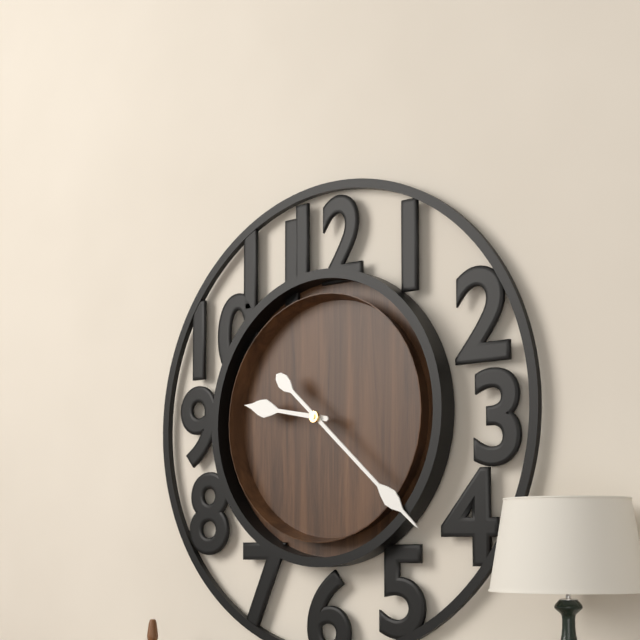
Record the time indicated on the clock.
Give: 9:22
